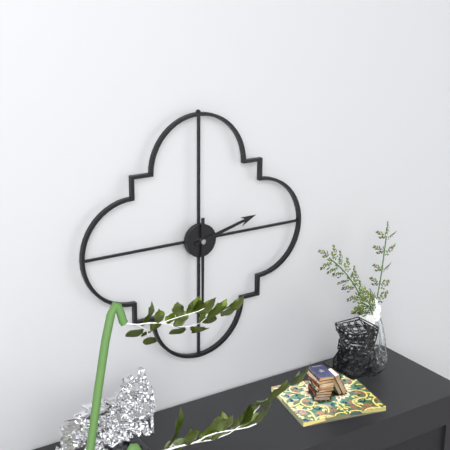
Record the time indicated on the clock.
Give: 2:30
